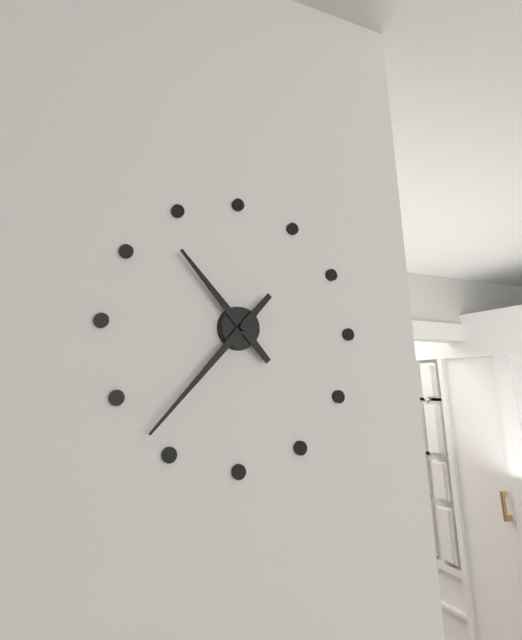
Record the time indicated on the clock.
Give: 10:37
